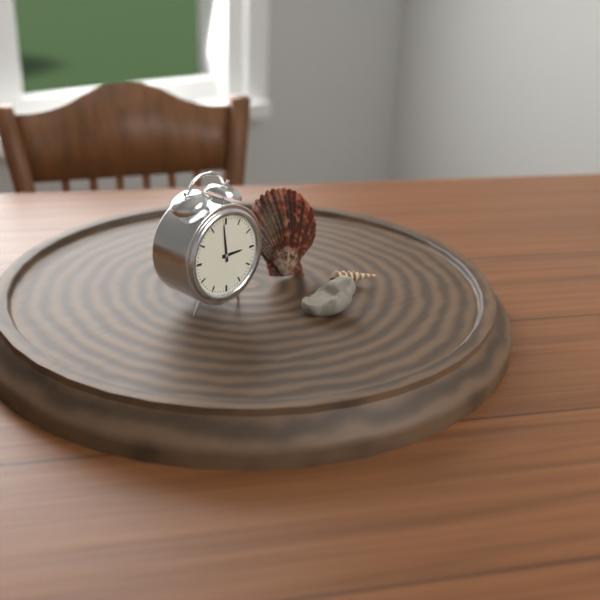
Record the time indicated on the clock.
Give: 2:59
